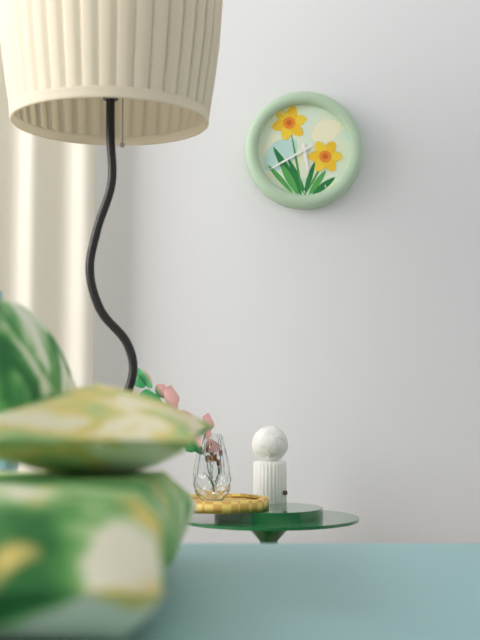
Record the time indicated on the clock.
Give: 5:40
